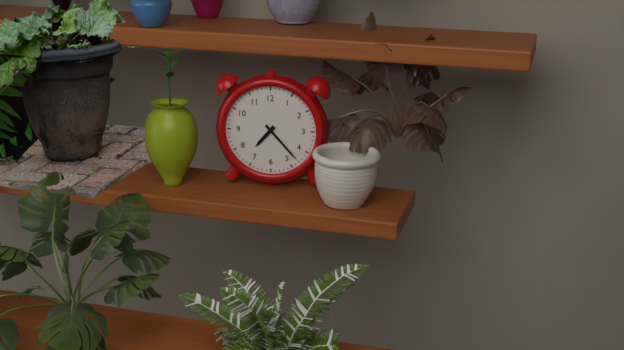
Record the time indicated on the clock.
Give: 7:23
